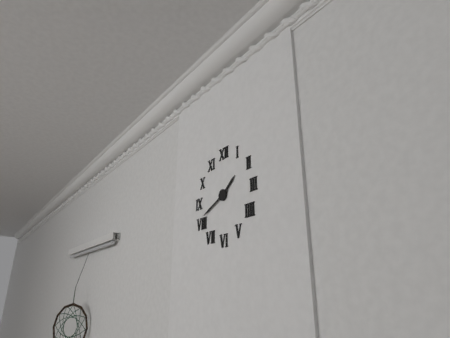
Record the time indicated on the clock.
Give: 1:41
